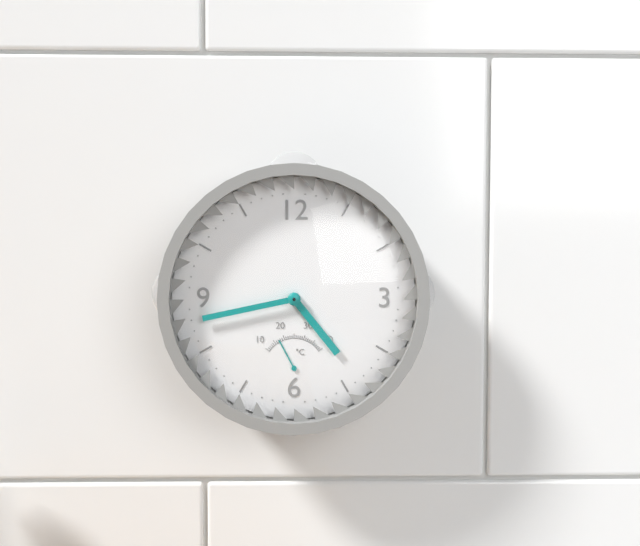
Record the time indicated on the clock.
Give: 4:43
